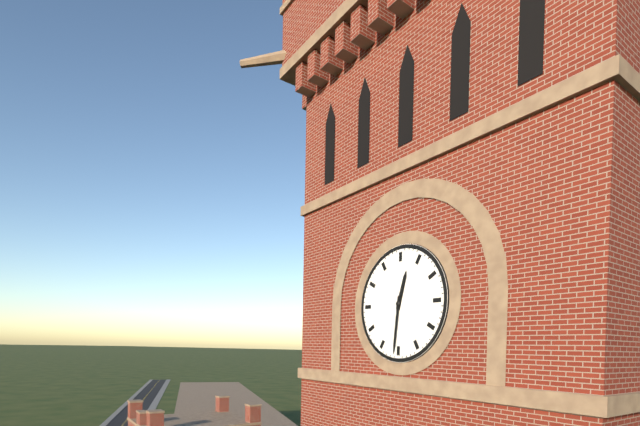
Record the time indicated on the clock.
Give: 12:31
